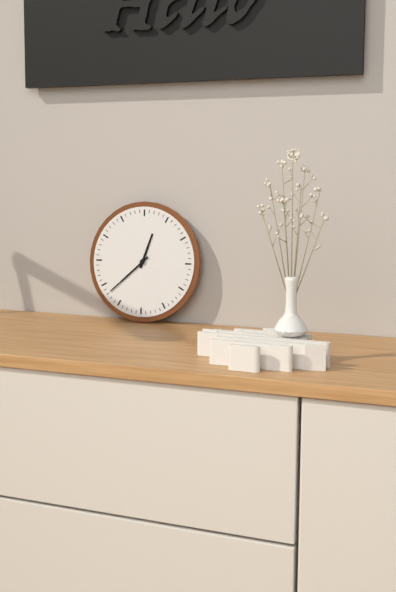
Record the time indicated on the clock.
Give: 12:38
